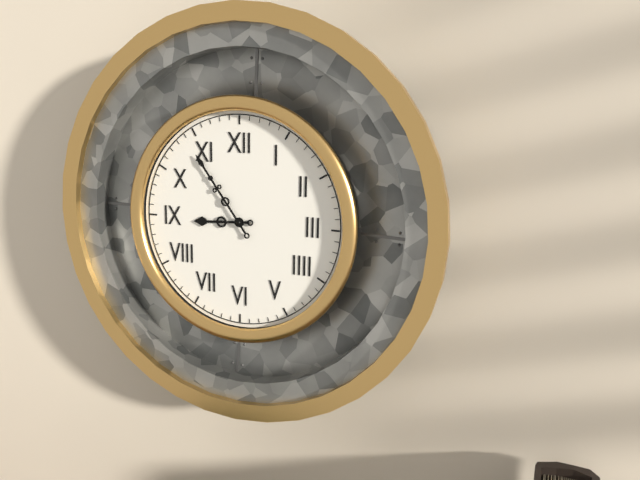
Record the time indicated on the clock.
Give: 8:54
